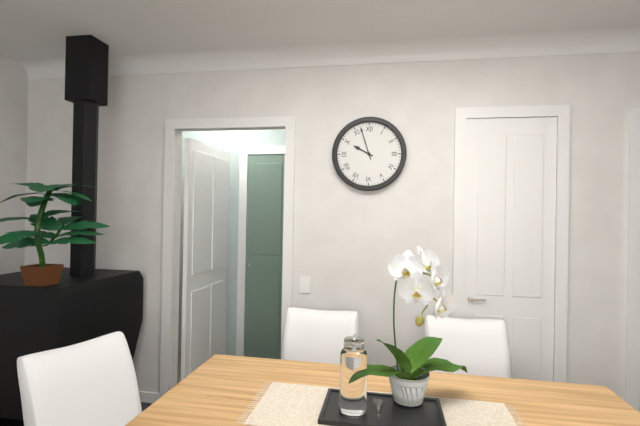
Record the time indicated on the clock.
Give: 9:57
